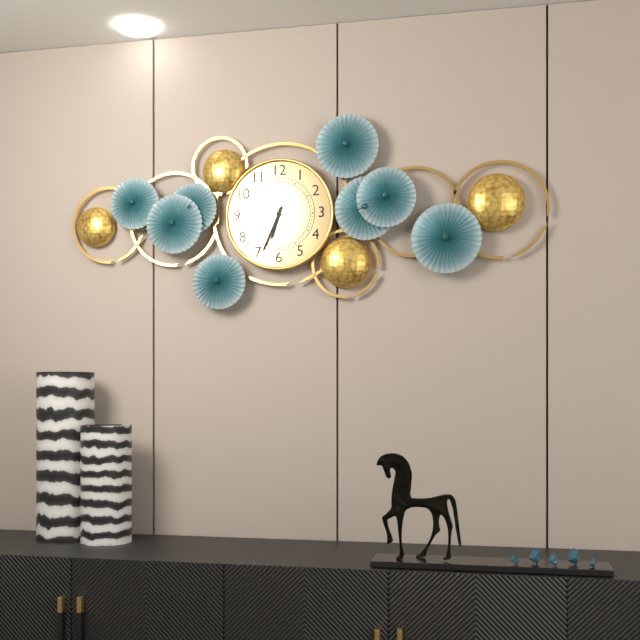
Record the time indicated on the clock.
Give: 6:34
